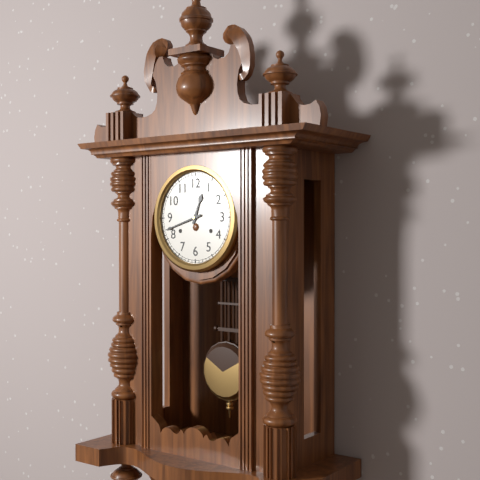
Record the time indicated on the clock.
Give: 12:42
